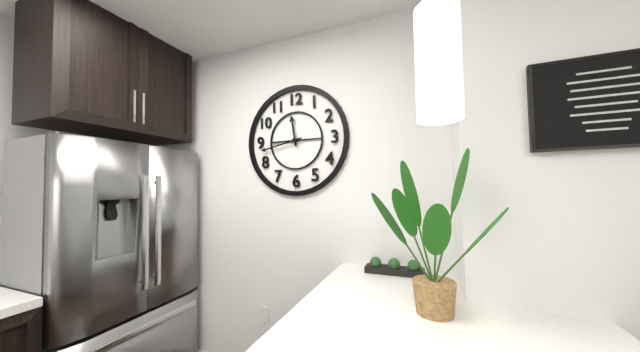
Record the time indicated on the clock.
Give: 11:43
